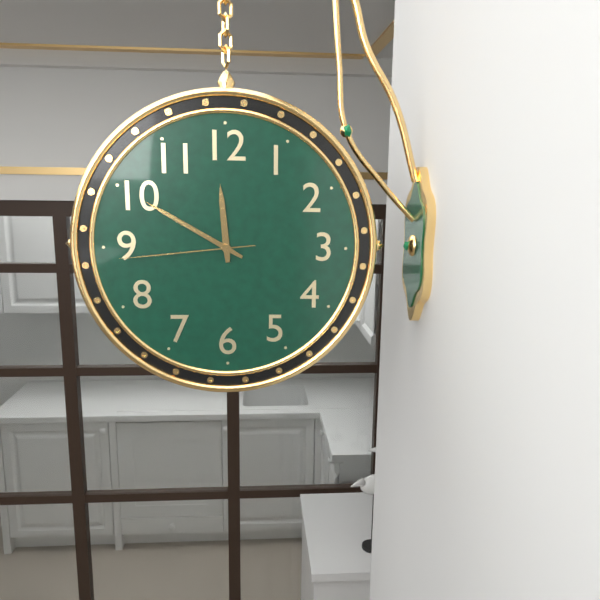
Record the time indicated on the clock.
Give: 11:50:44
